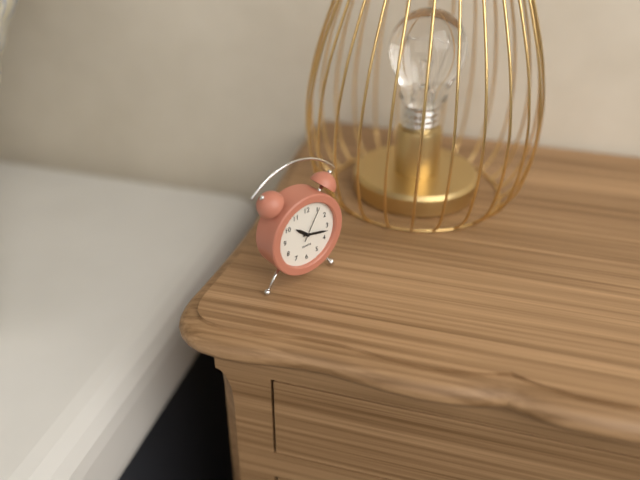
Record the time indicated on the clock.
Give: 10:17
